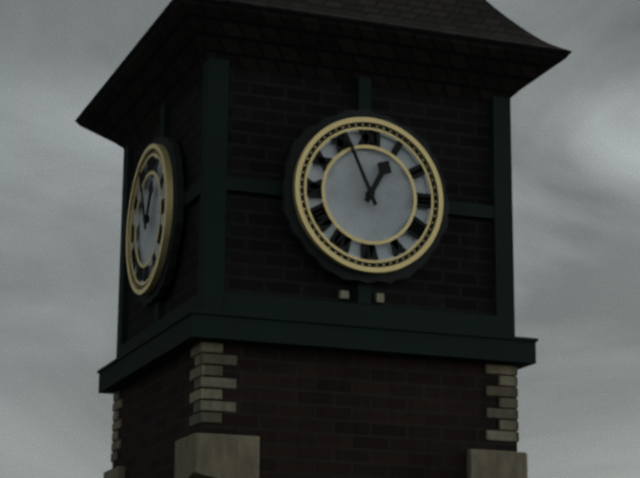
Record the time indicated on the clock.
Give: 12:56
